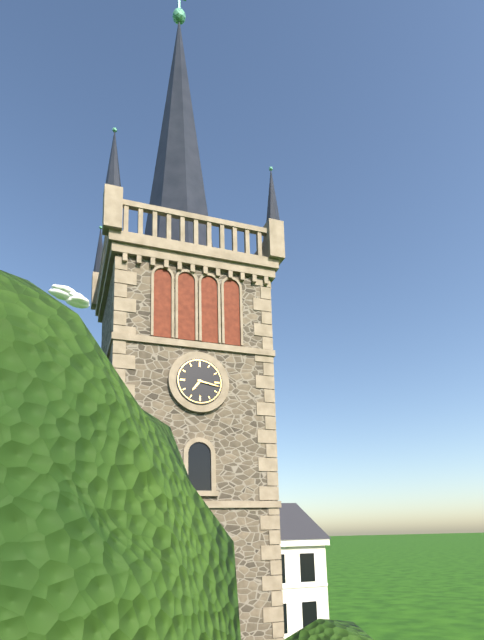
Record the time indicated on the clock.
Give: 7:17
